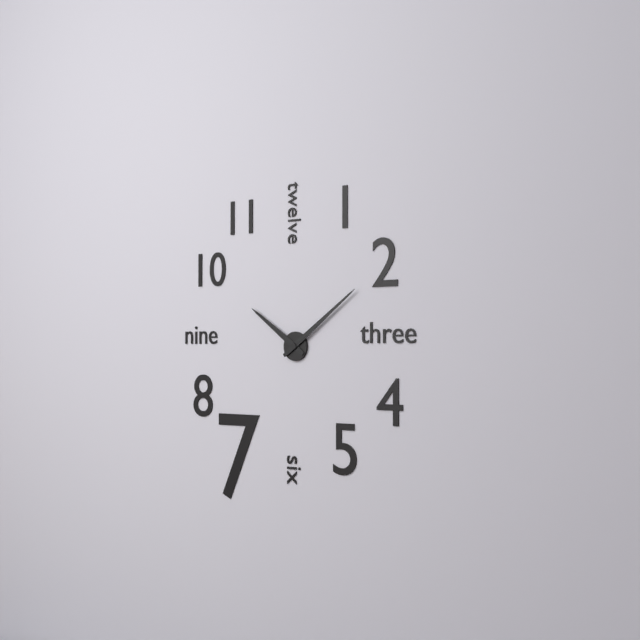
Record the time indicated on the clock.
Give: 10:09
